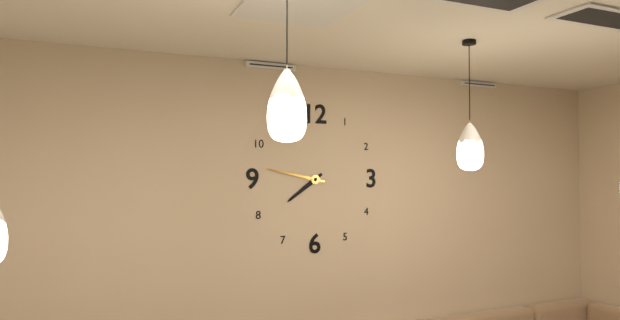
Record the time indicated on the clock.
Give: 7:47
